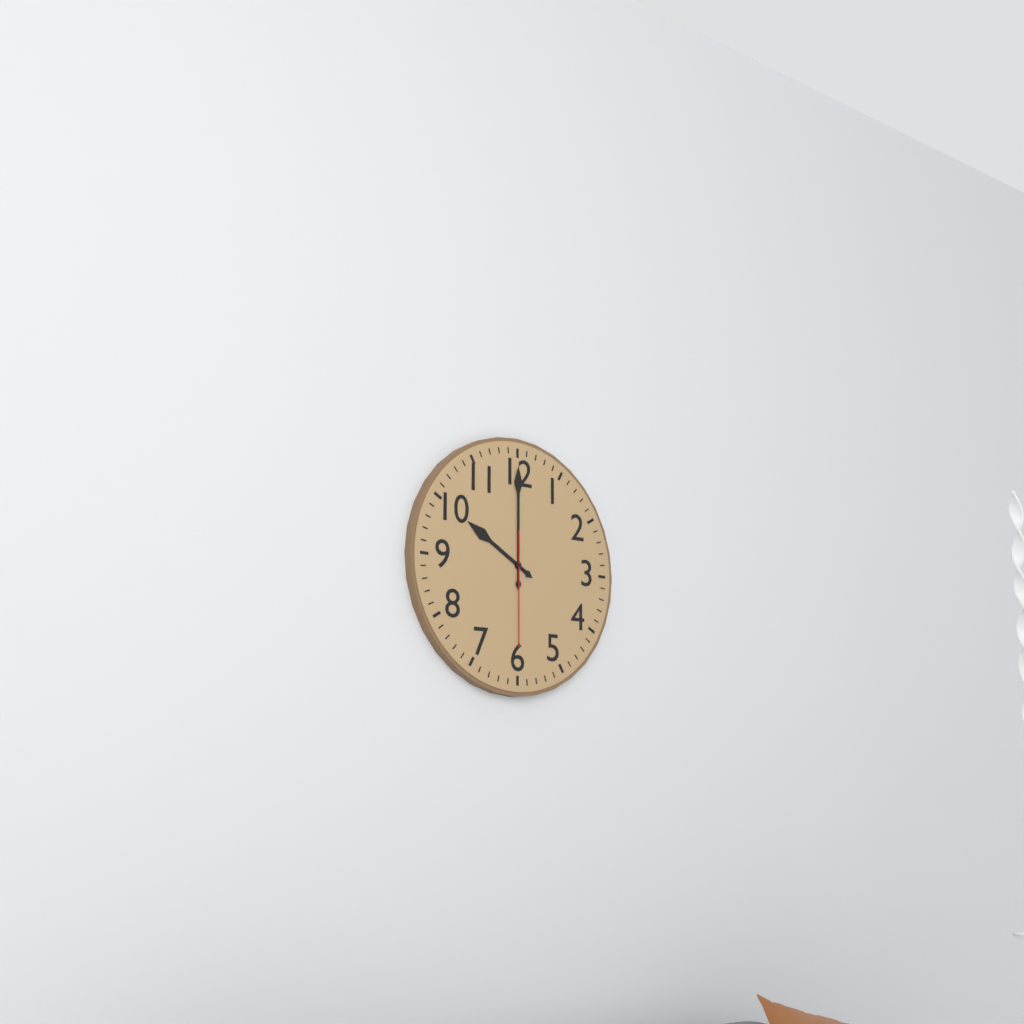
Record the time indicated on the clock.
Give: 10:00:30
